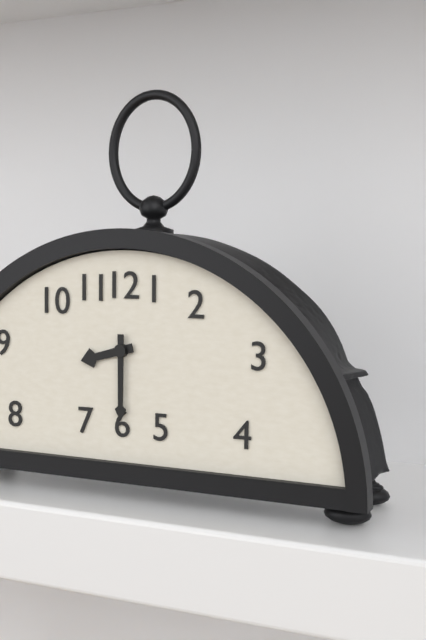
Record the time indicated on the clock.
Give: 8:30
